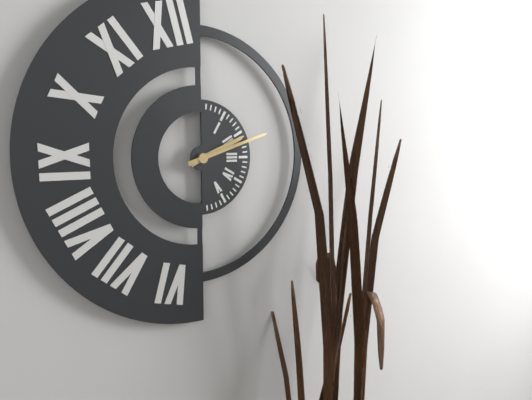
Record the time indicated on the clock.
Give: 2:12
